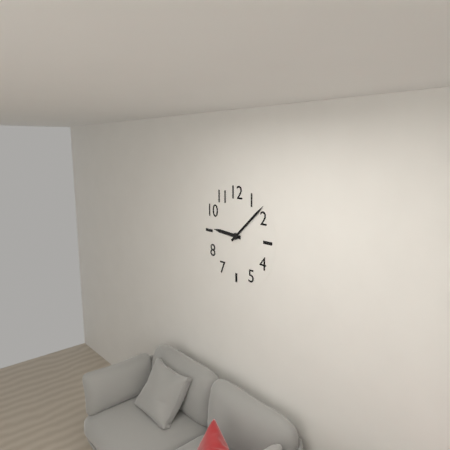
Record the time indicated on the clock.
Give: 9:08
